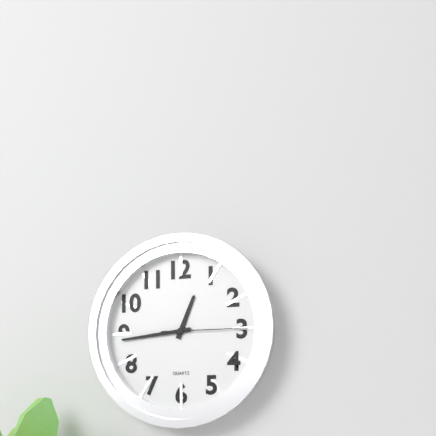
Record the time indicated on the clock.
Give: 12:44:15
